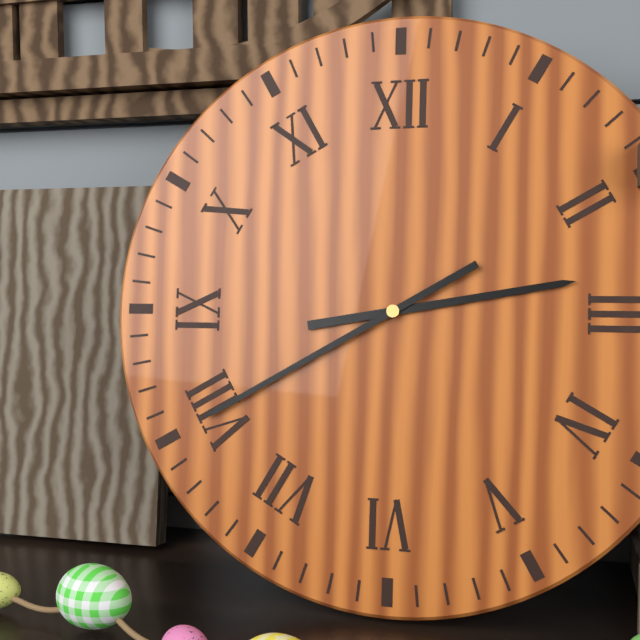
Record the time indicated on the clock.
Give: 2:40
